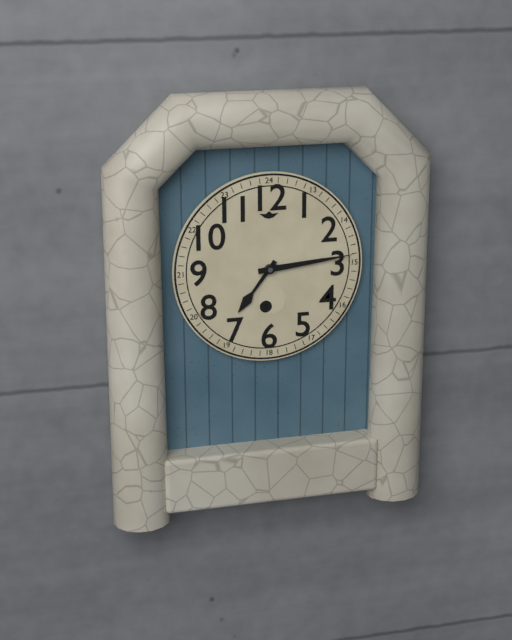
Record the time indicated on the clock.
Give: 7:14
